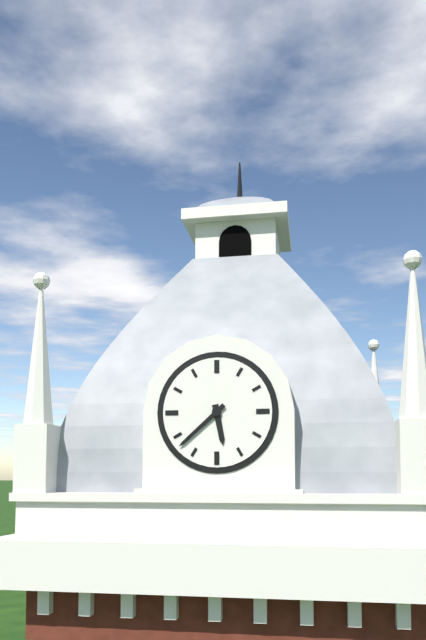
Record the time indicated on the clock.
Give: 5:38
